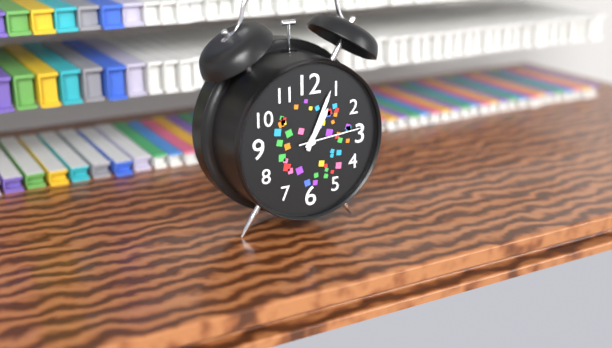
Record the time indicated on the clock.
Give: 1:04:14
